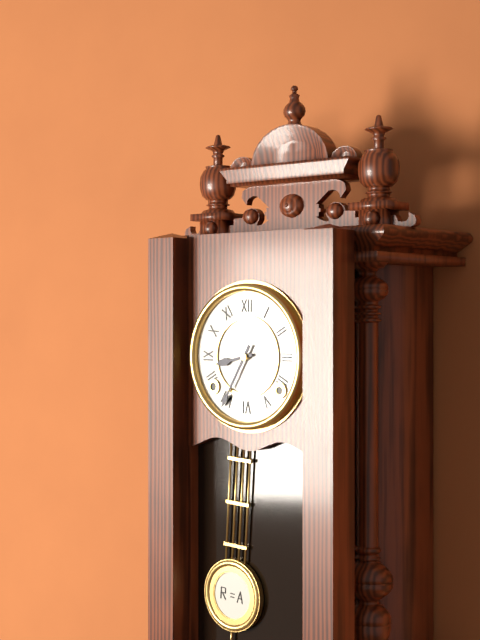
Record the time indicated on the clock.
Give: 8:35
